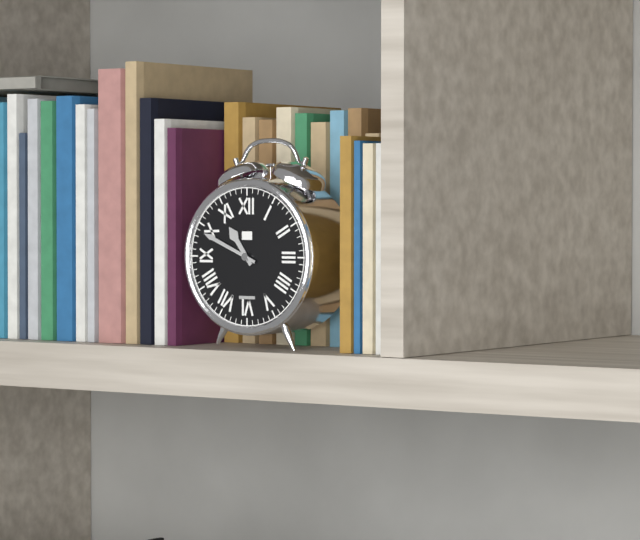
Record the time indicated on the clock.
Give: 10:49
